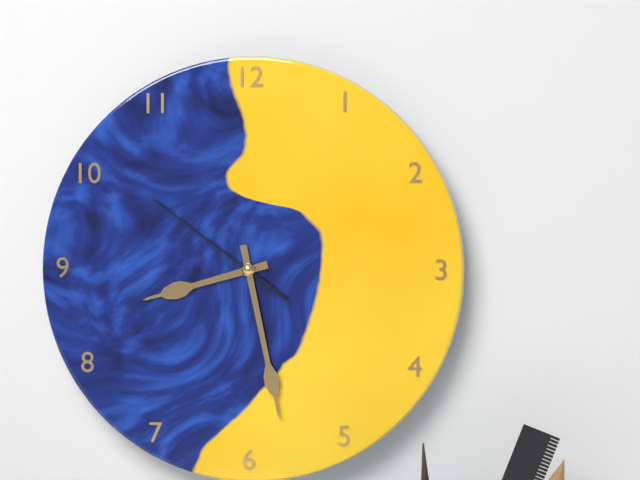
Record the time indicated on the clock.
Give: 8:28:51
